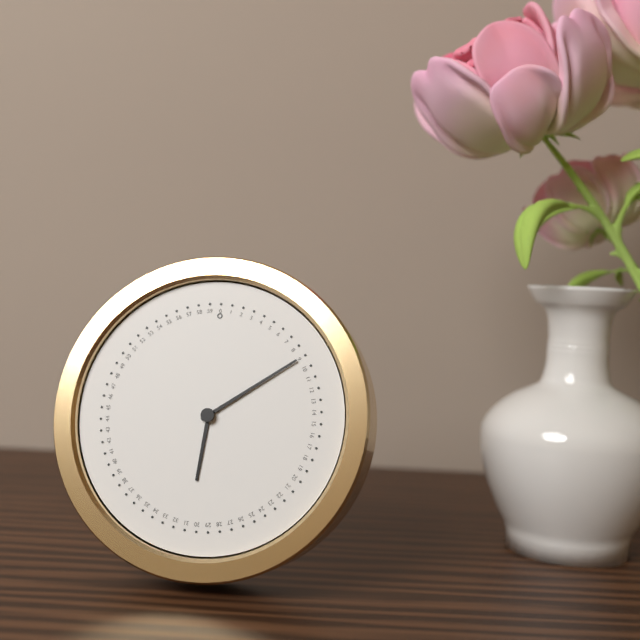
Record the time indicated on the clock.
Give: 6:09
